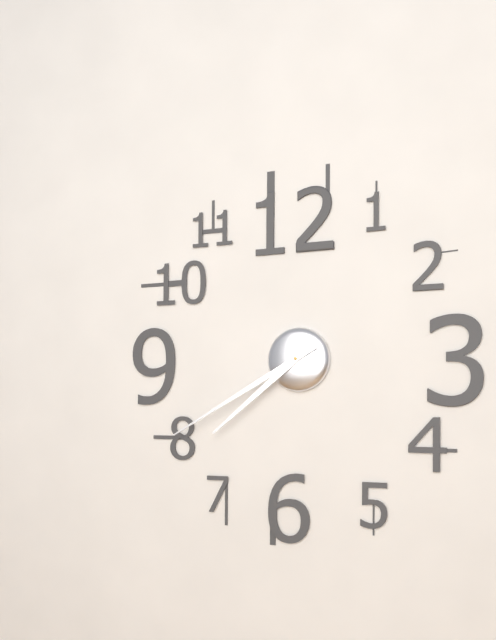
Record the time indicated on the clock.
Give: 7:40
